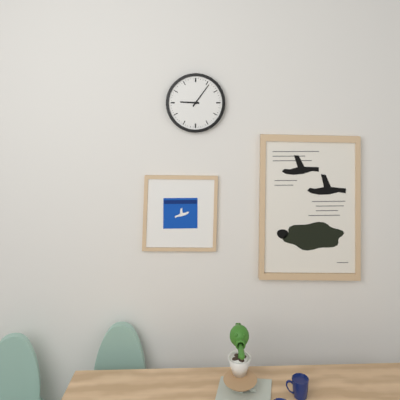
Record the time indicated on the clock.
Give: 9:06
